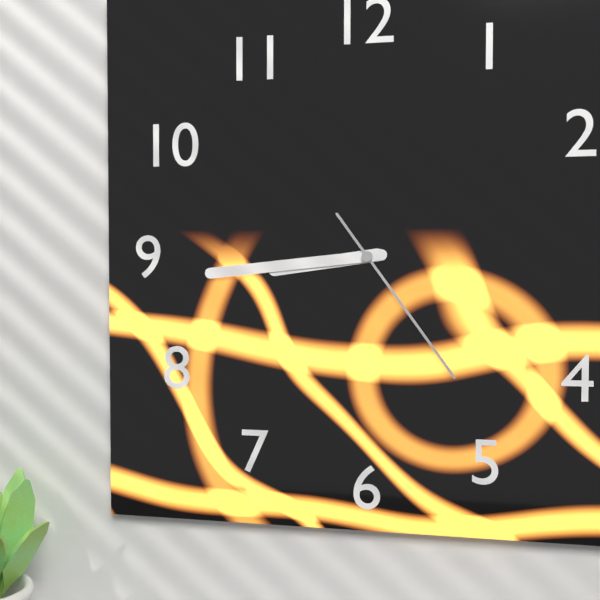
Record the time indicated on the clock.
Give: 8:44:24
